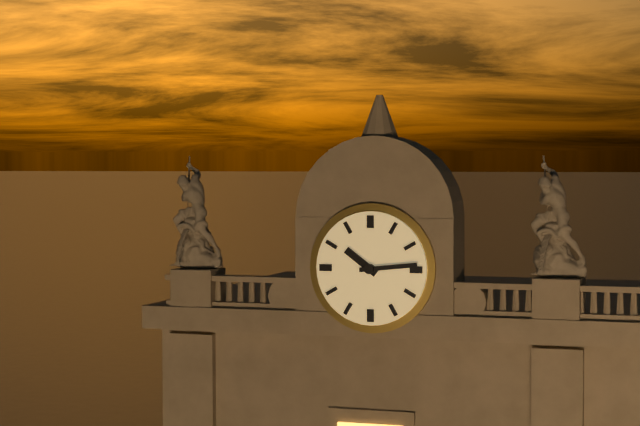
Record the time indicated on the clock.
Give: 10:14
